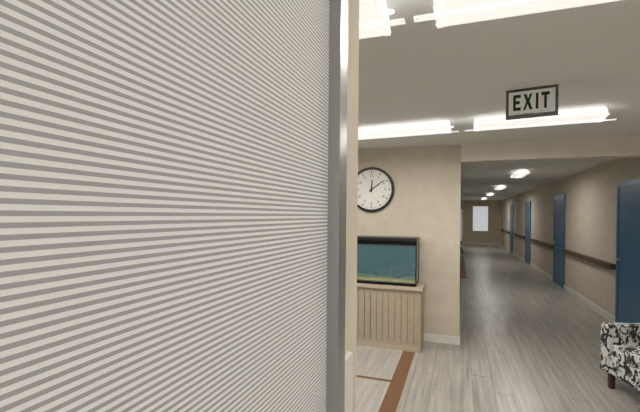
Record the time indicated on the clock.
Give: 12:09
